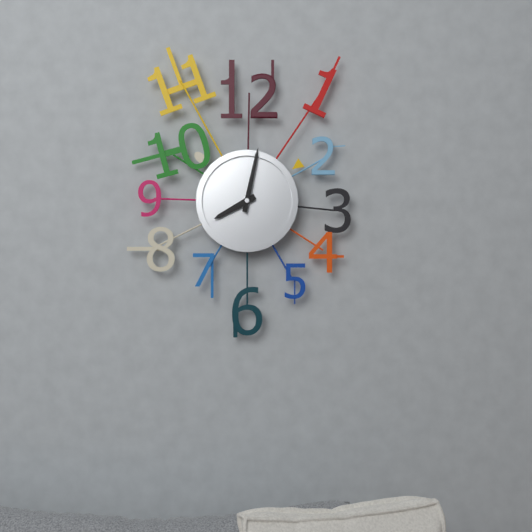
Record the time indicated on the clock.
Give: 8:02
